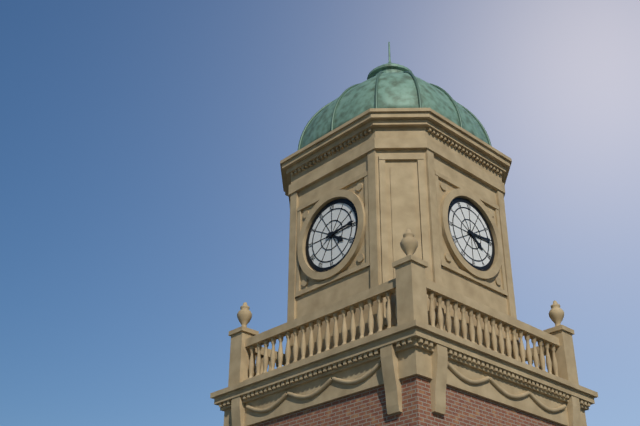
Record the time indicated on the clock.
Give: 4:14
